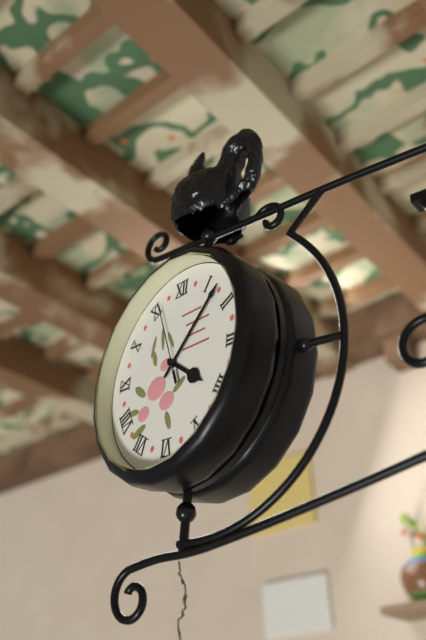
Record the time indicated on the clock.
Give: 4:07:56
